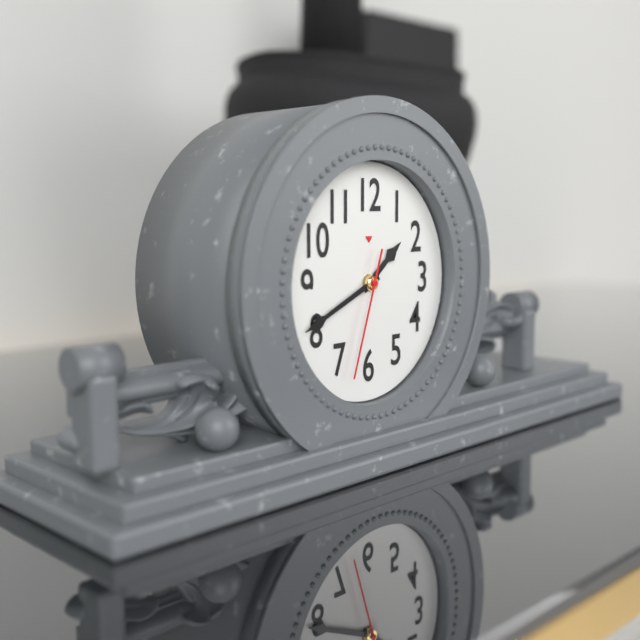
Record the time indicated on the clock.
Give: 1:41:33
